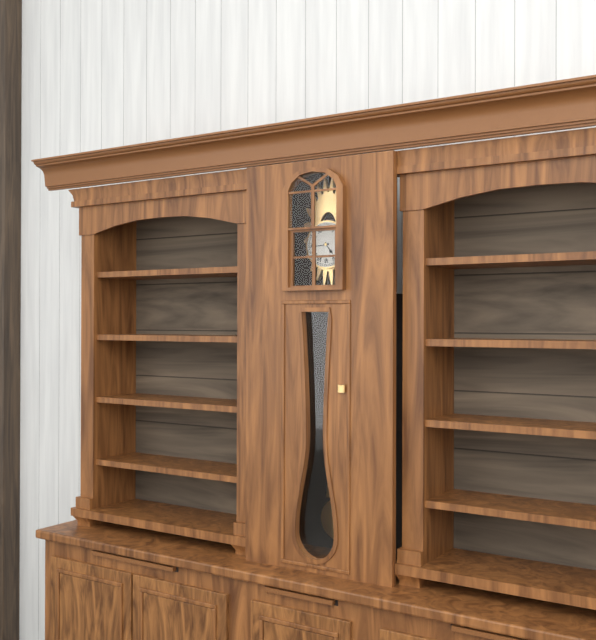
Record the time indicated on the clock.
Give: 4:44
